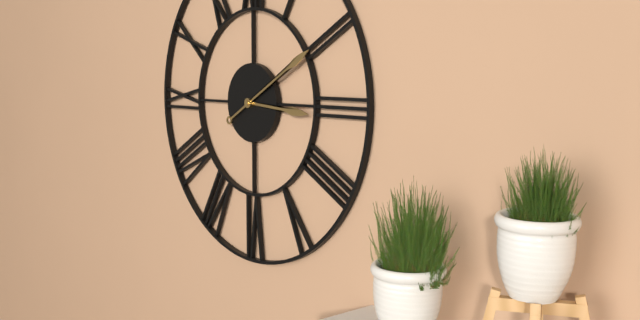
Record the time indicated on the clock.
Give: 3:10
